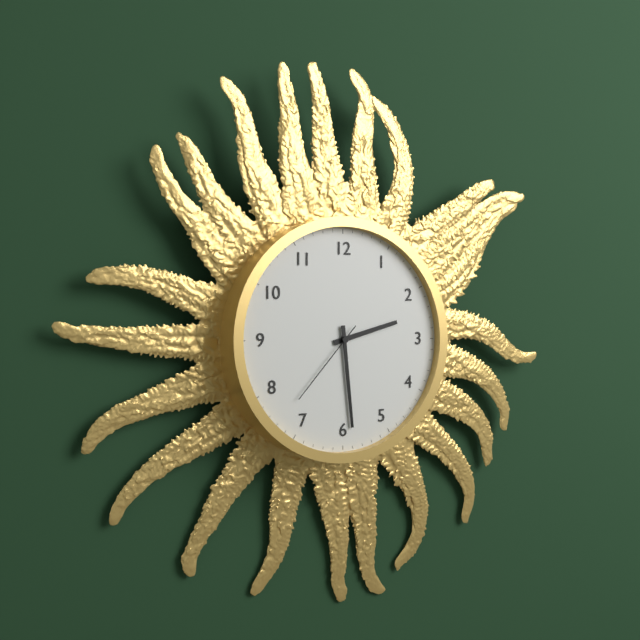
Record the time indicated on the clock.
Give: 2:29:37
